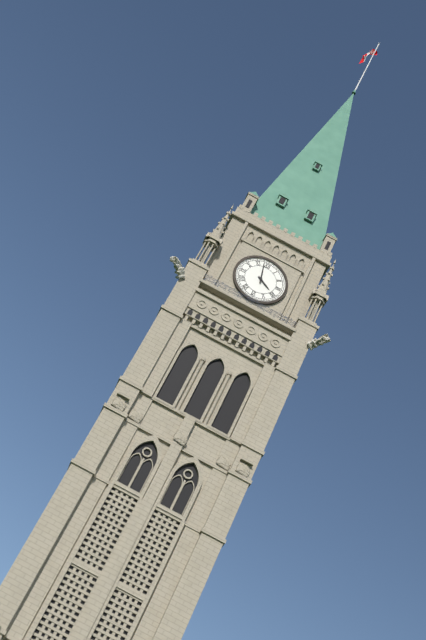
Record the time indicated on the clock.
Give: 3:58
